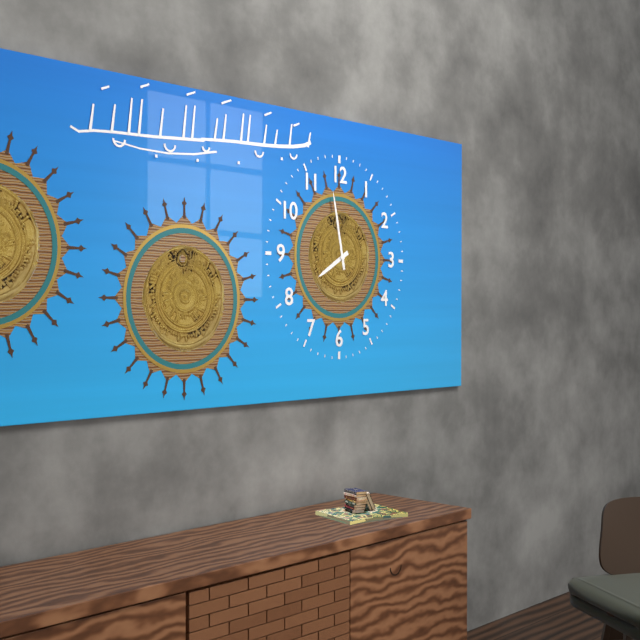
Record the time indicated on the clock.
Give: 7:58
